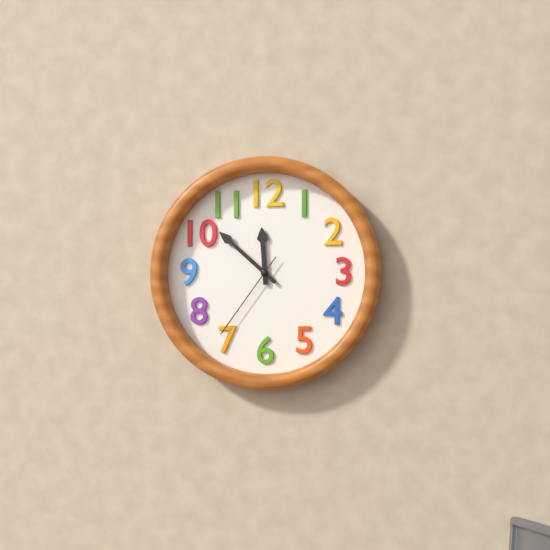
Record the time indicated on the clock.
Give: 11:52:36
